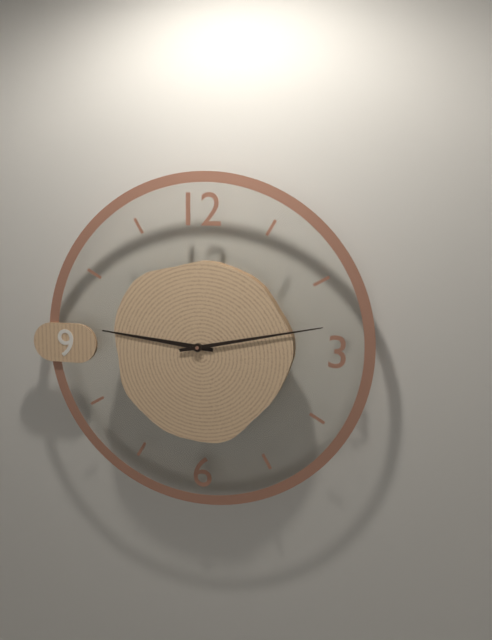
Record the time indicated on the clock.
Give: 9:13
